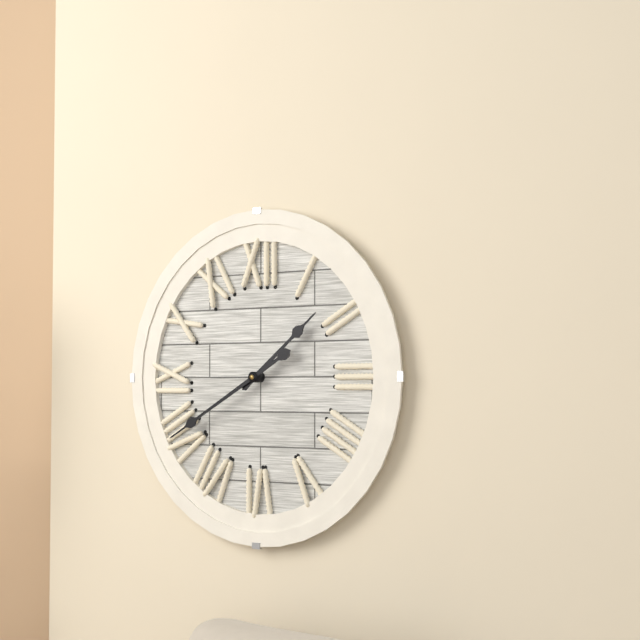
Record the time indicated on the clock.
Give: 1:40
